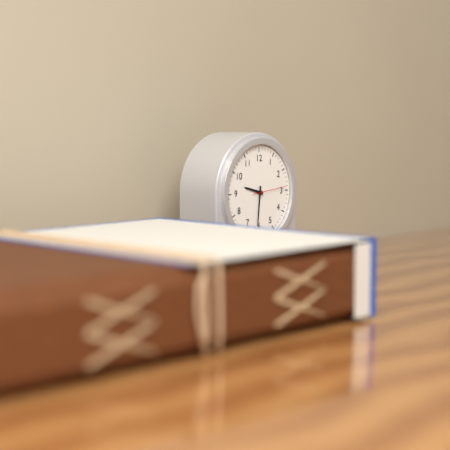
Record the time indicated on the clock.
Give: 9:31
